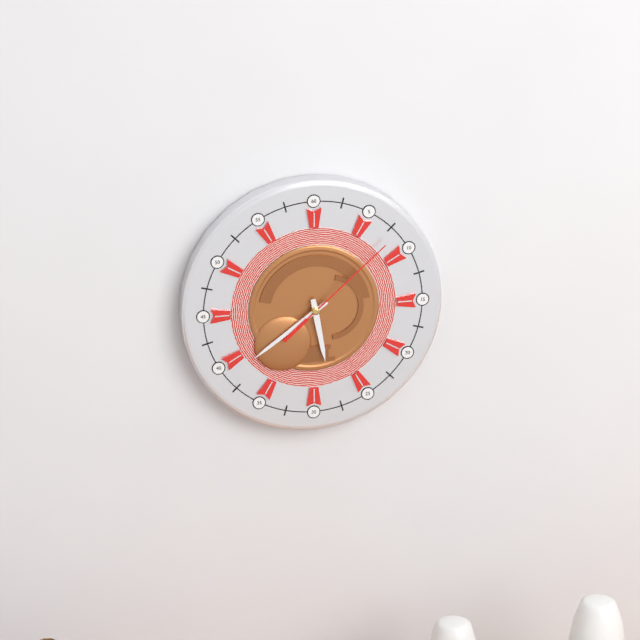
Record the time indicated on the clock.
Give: 5:39:08
